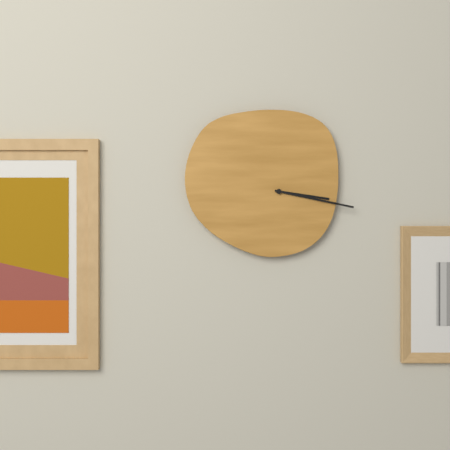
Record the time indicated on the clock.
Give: 3:17
